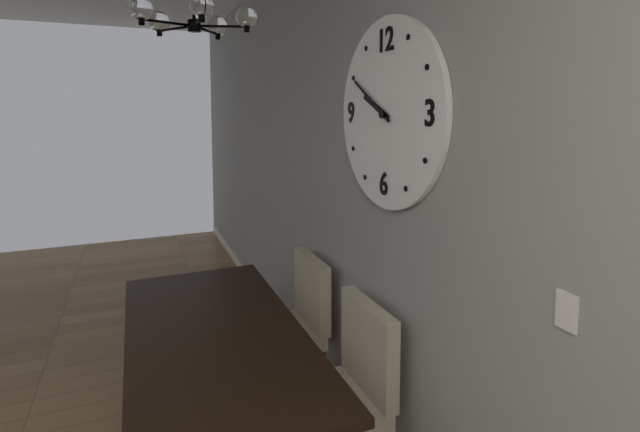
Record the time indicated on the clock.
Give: 9:50
